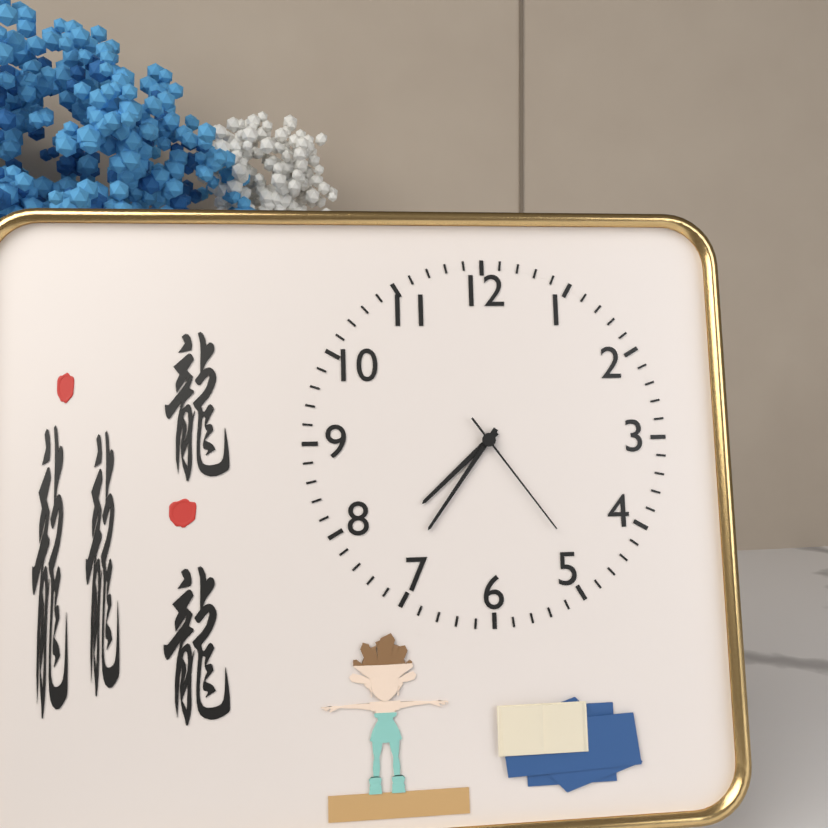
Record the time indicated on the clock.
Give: 7:36:24
